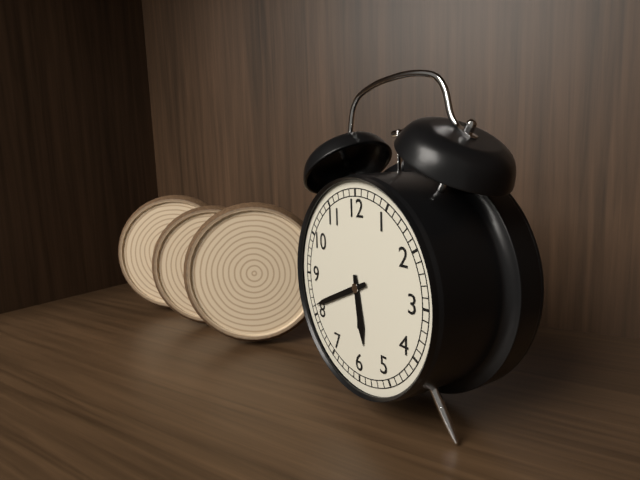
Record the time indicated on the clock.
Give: 5:41
